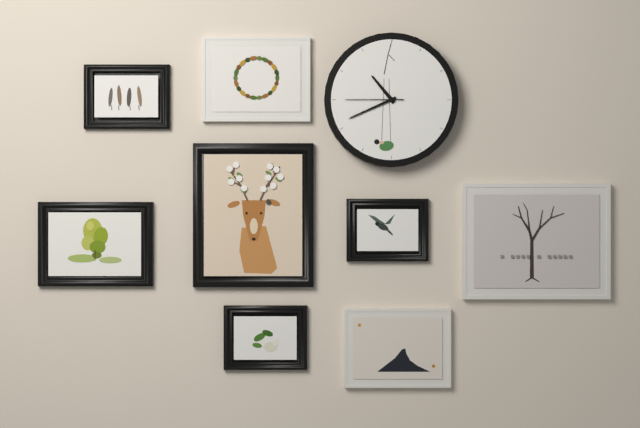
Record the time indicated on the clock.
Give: 10:41:45
